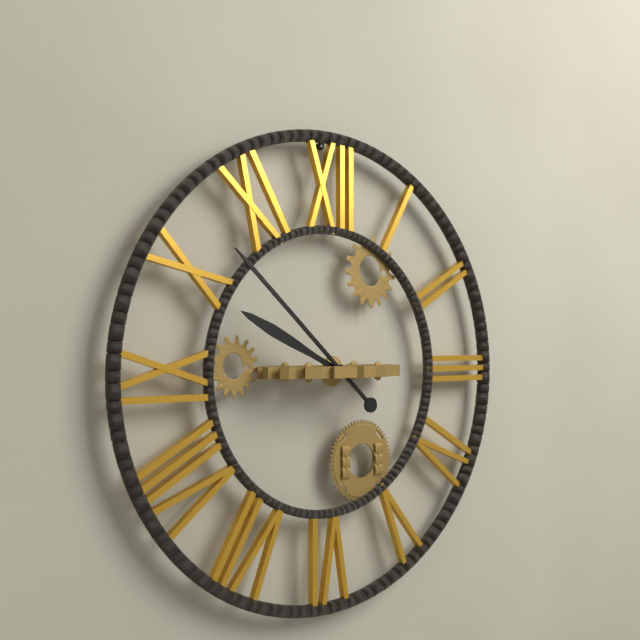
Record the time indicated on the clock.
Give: 9:52
